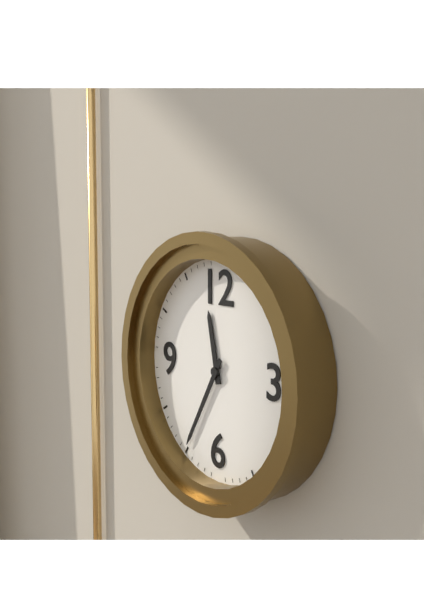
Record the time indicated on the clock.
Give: 11:35
